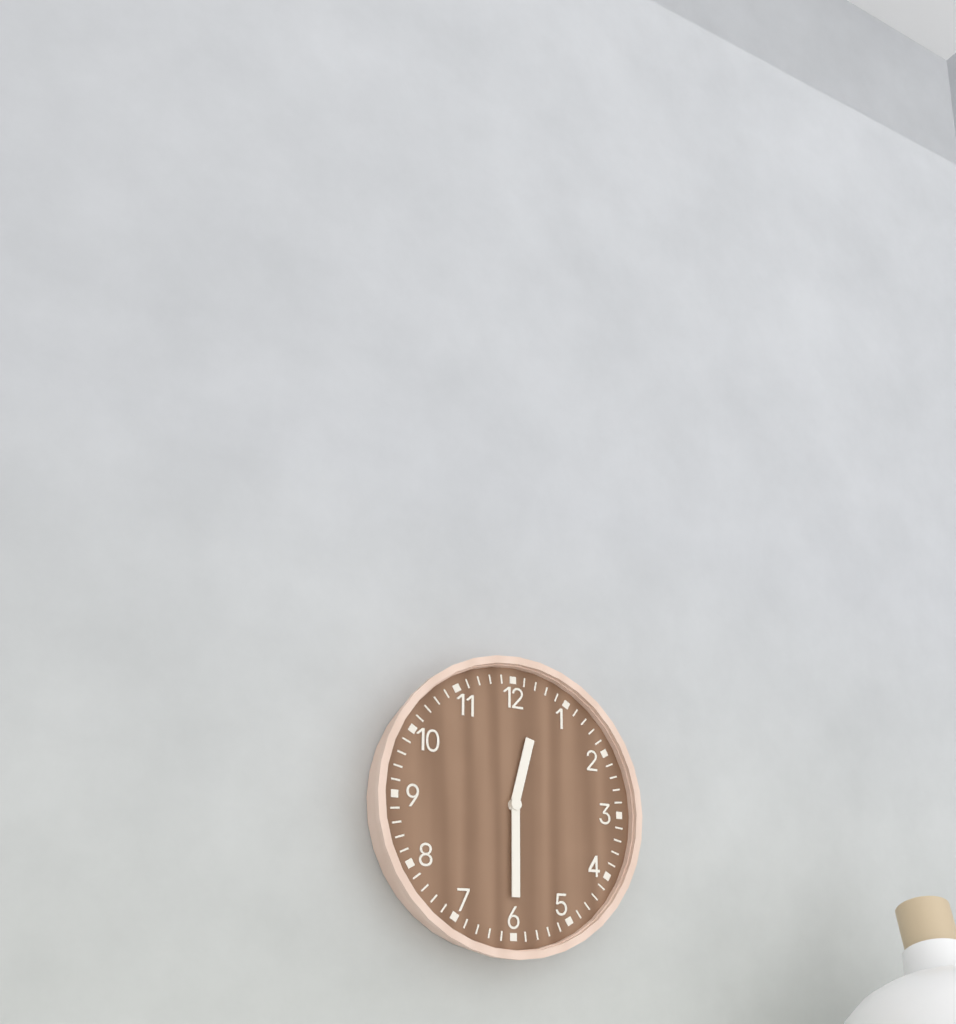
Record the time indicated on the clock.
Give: 12:30
